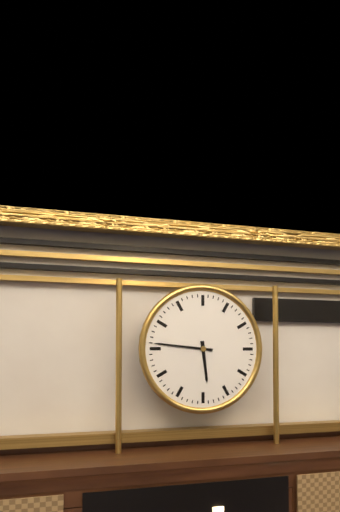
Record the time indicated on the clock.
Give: 5:46
